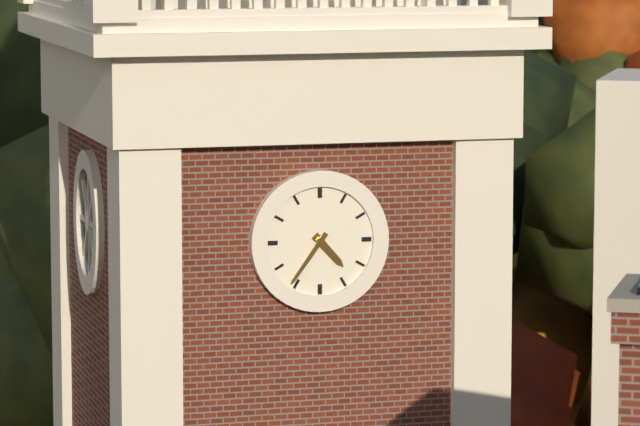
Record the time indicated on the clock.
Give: 4:36
